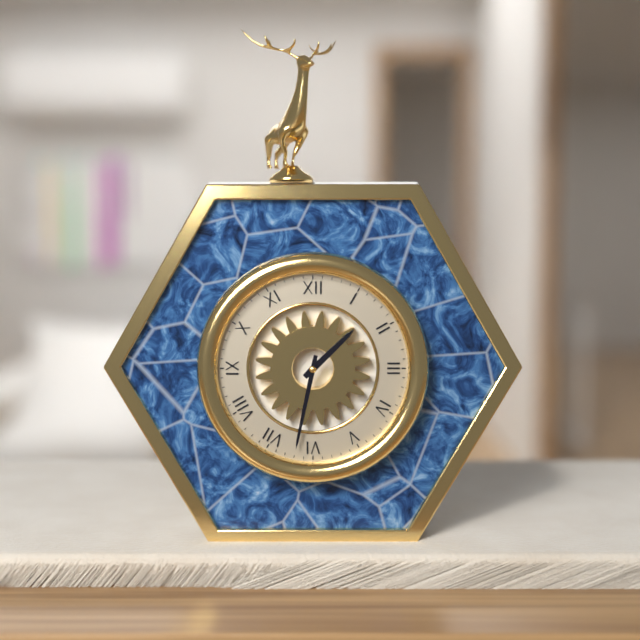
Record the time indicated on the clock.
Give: 1:32
